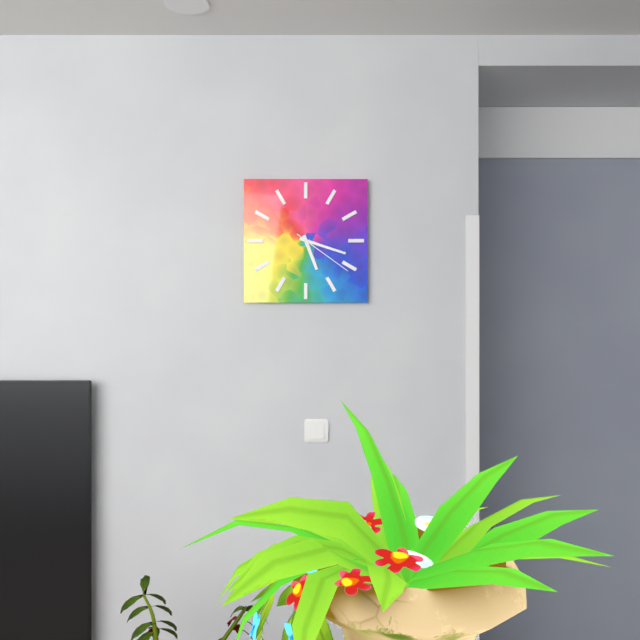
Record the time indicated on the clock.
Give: 5:18:21
